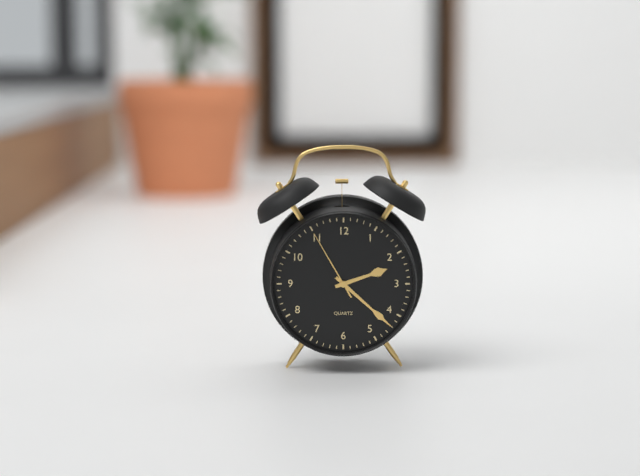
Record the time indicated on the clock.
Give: 2:22:55
